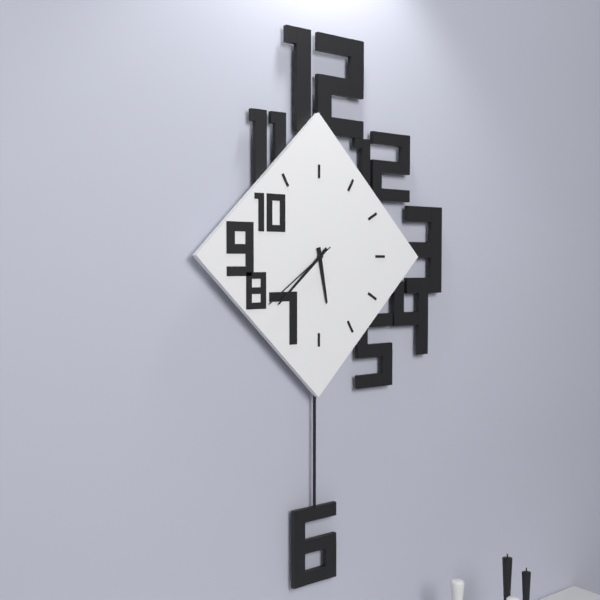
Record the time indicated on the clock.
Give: 5:38:39
